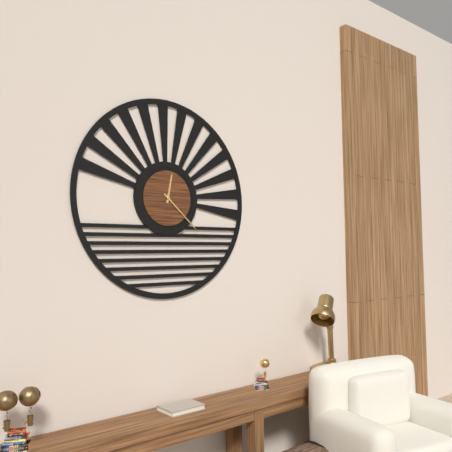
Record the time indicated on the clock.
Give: 12:22
